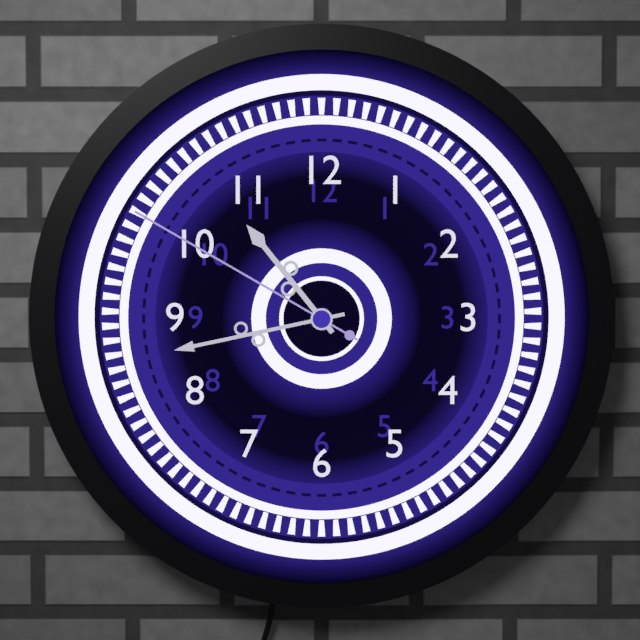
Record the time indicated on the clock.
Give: 10:43:50
